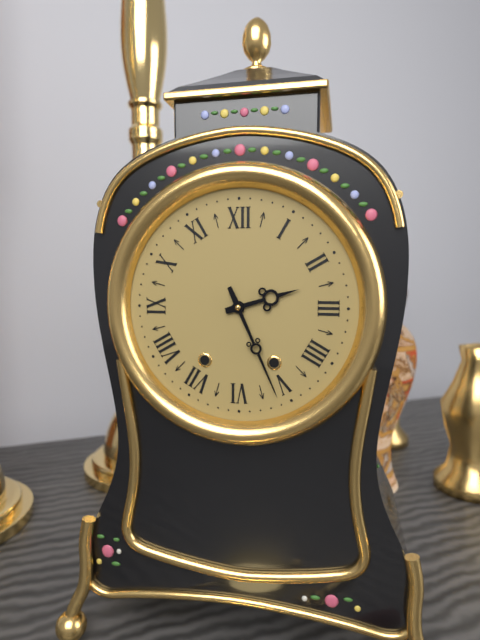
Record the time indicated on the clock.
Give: 2:26
